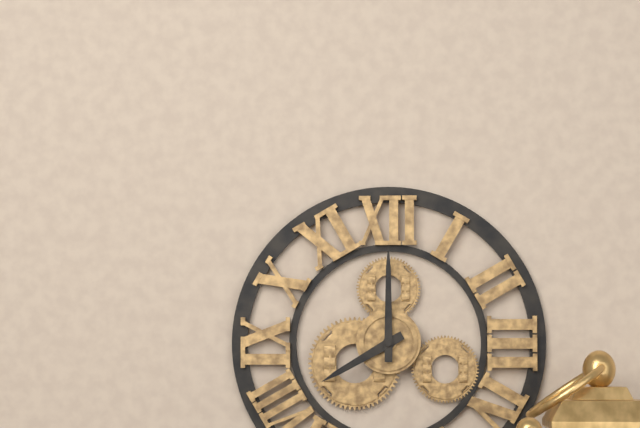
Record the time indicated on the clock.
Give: 8:00
